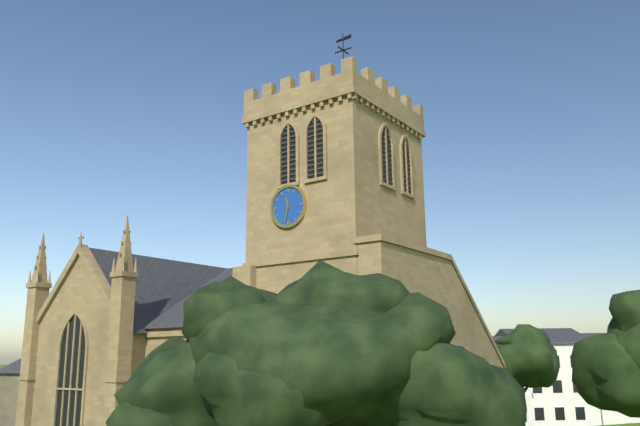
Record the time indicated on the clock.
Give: 11:32
